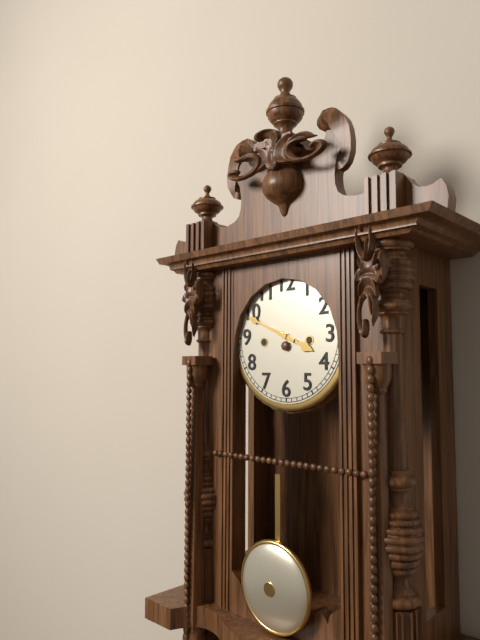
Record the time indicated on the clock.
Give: 3:49
